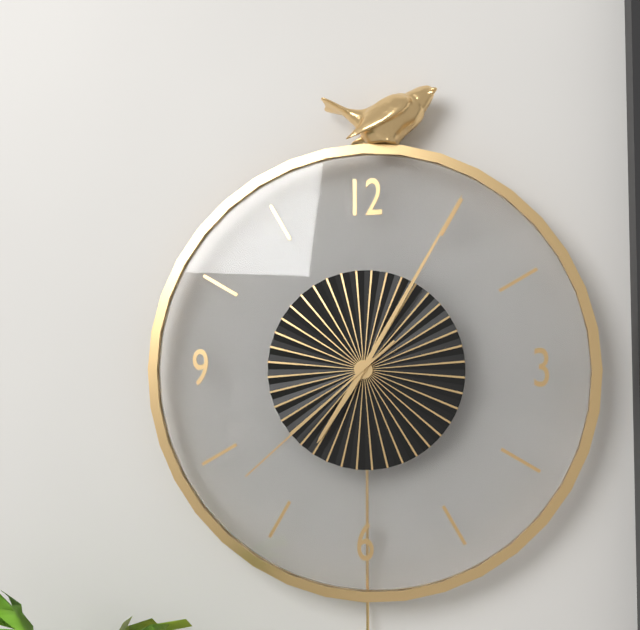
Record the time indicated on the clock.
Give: 7:05:38
